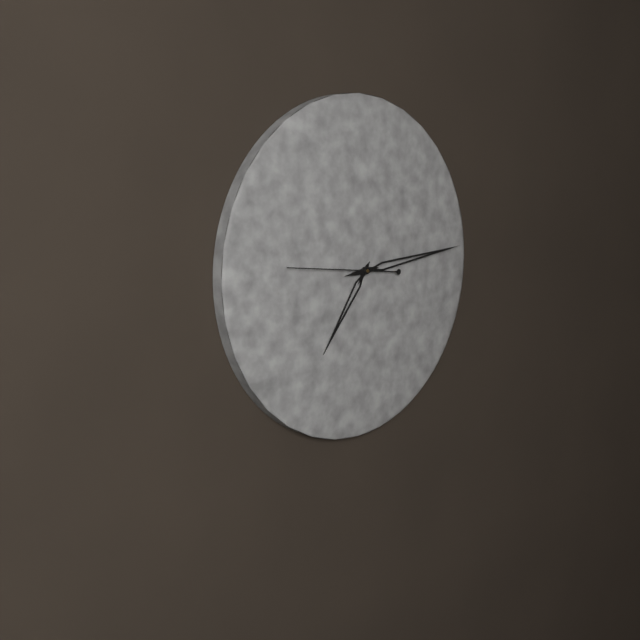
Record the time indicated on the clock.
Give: 7:14:46
